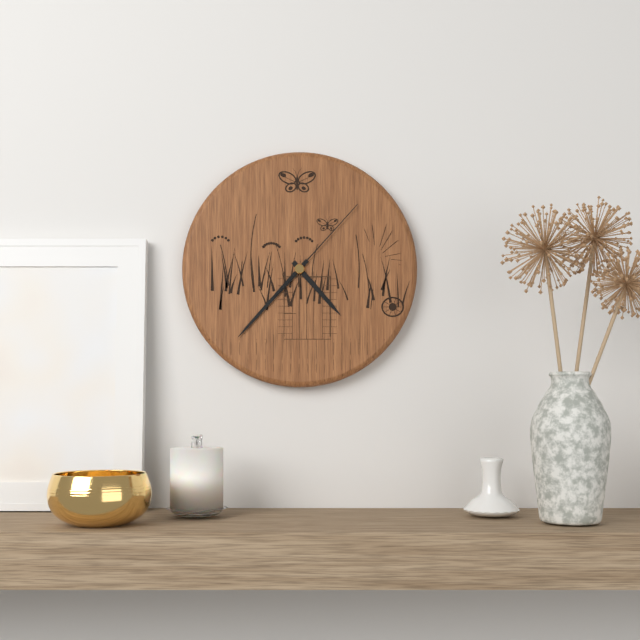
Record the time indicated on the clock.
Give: 4:37:07
